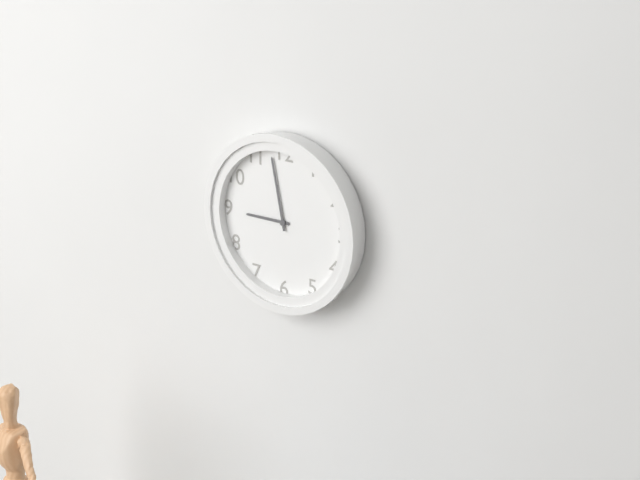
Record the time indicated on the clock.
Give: 8:58
